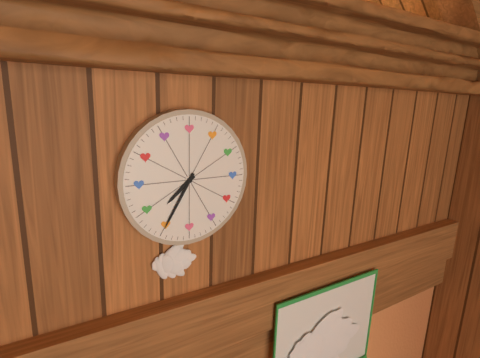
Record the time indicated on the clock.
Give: 7:35
